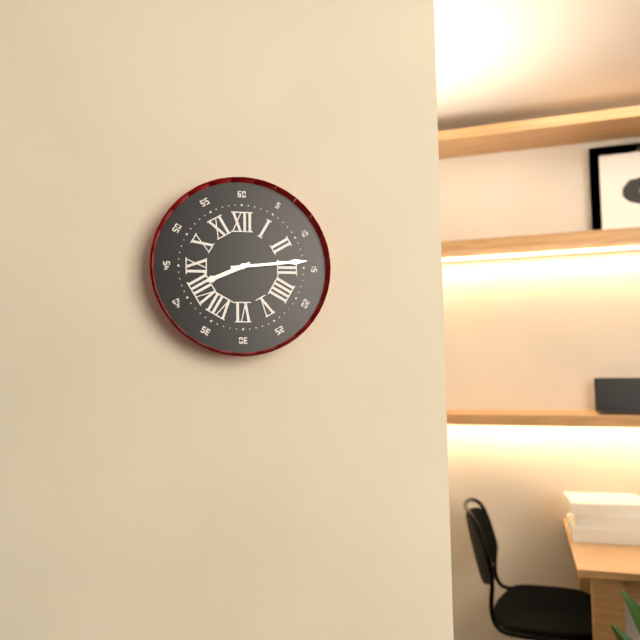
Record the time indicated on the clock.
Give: 8:14
